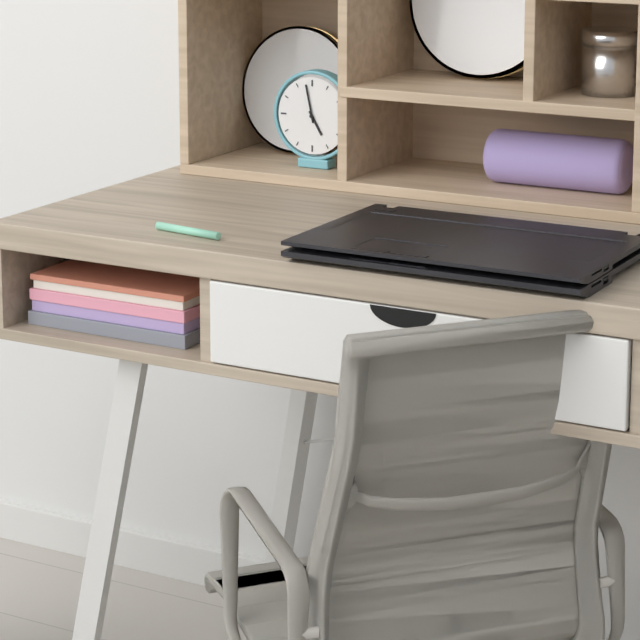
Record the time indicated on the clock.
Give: 4:58
